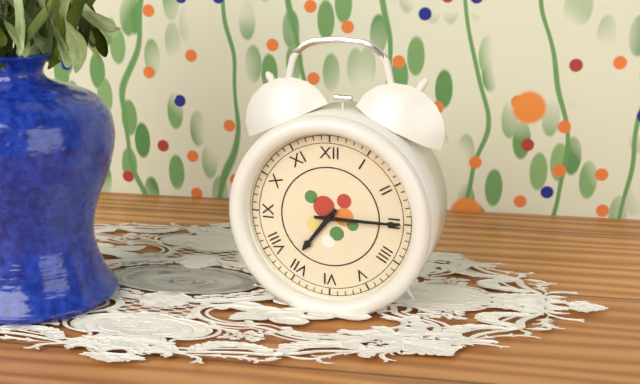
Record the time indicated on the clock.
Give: 7:15
